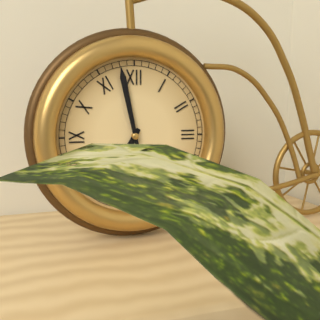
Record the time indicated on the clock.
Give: 6:58
